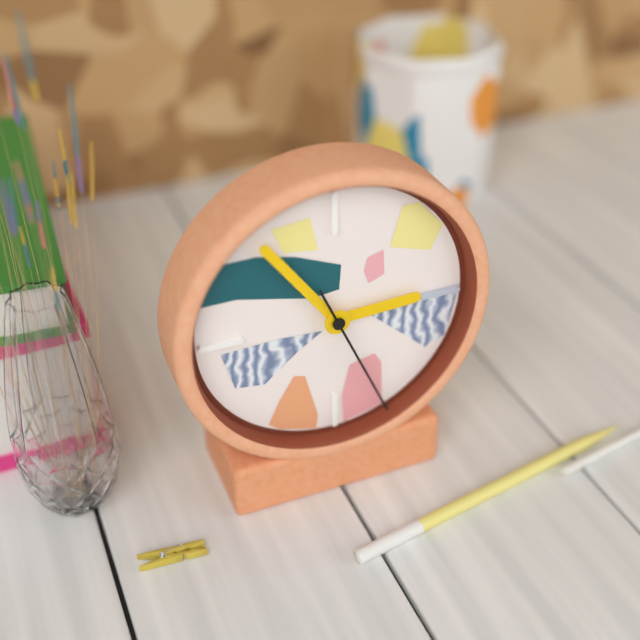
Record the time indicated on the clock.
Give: 2:54:26
